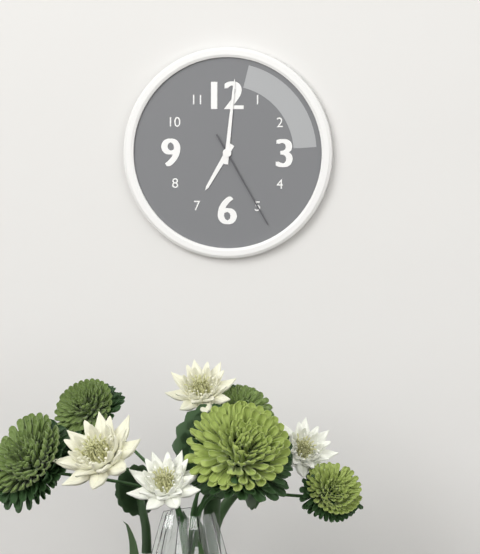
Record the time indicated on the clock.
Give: 7:01:25
